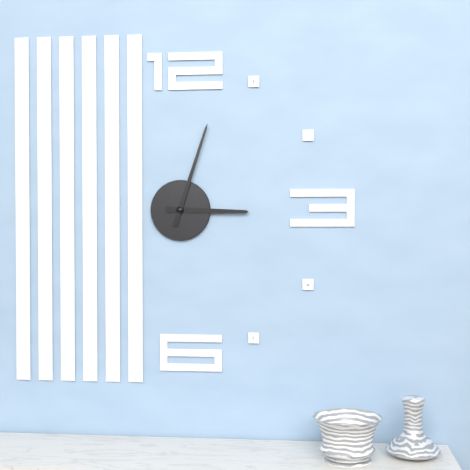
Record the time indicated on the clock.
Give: 3:03
